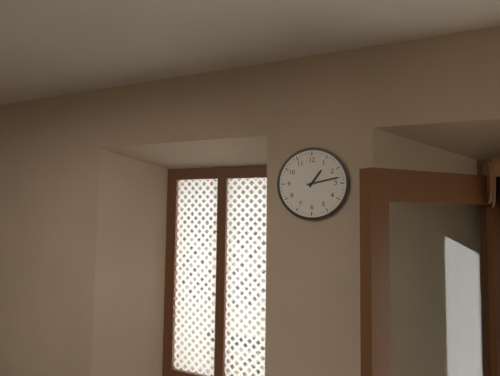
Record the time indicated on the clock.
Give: 1:13
